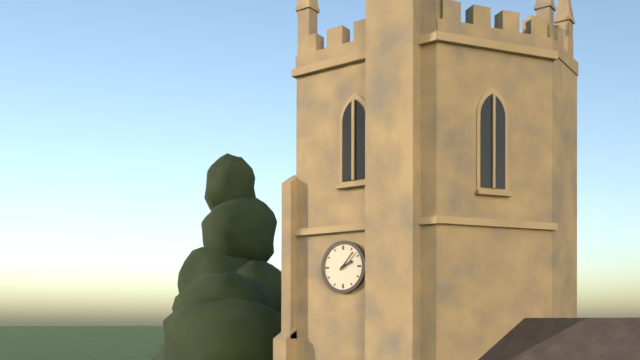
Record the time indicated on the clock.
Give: 2:07
